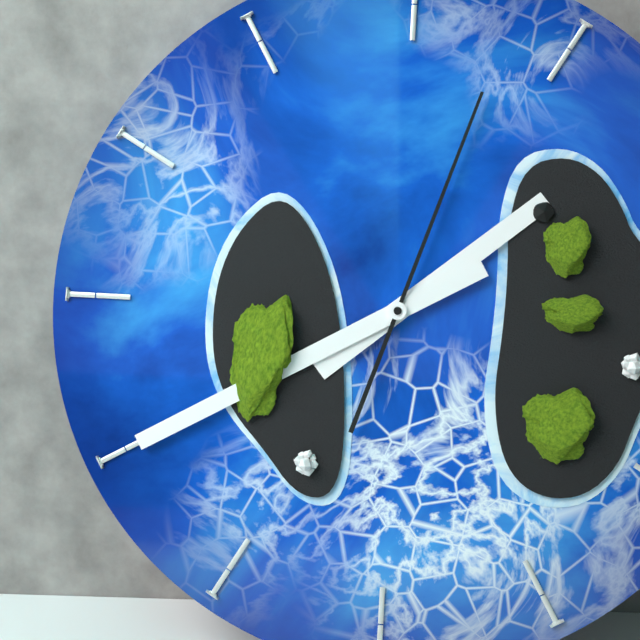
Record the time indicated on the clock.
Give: 1:40:03
